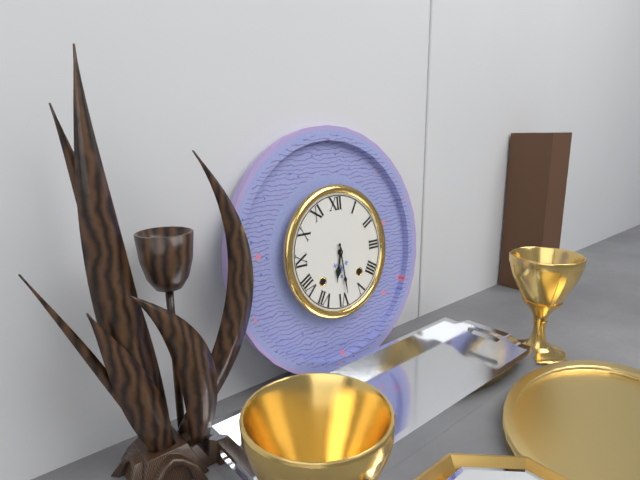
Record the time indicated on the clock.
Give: 6:29
